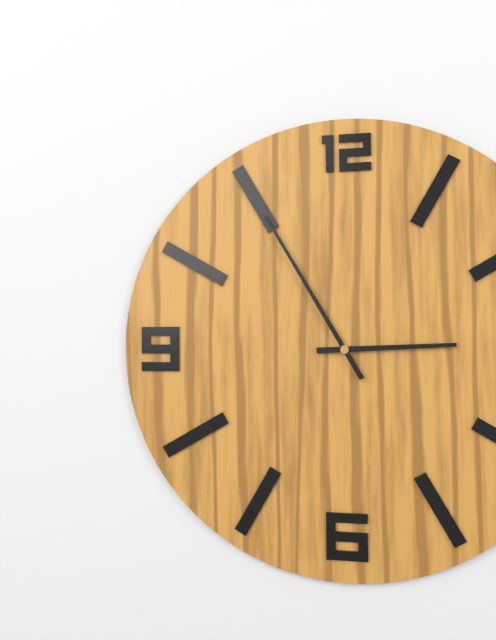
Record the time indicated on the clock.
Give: 2:55
